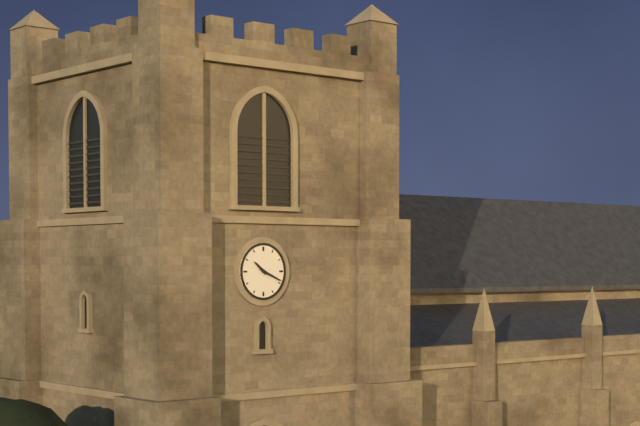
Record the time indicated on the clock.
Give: 10:19
